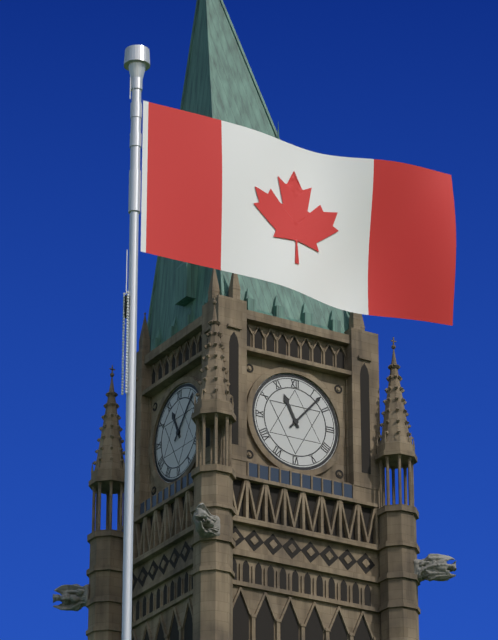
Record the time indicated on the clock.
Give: 11:07
